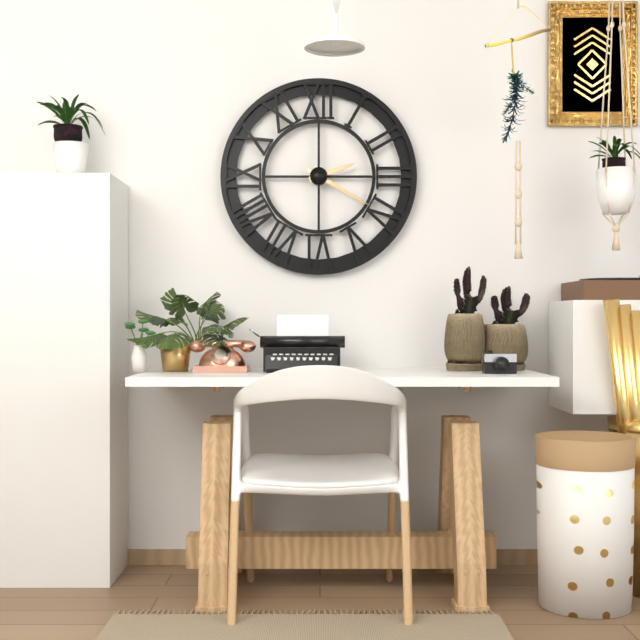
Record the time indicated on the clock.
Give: 2:20
